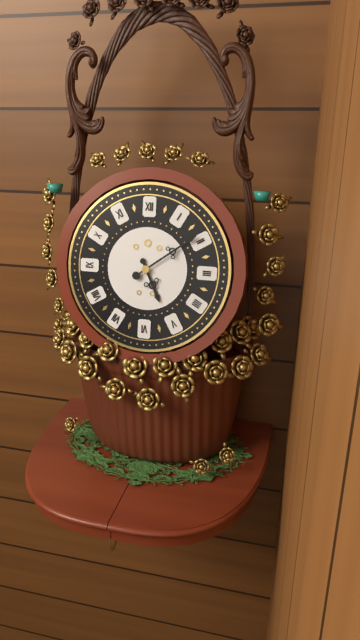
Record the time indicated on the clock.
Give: 5:09
